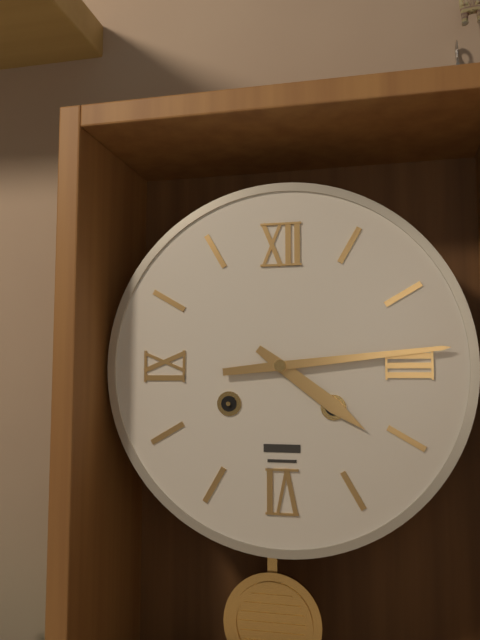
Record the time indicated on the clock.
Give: 4:14
